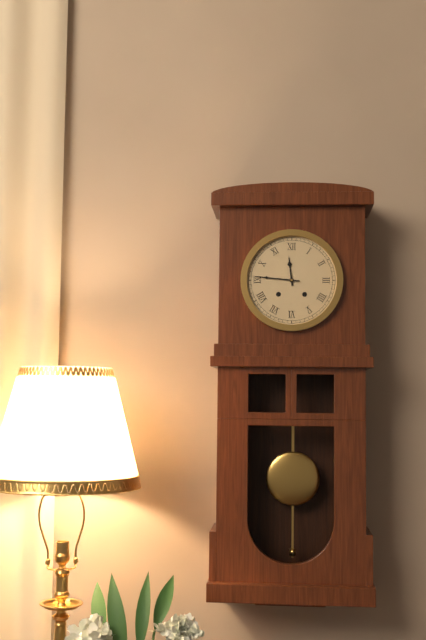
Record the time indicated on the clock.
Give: 11:46
